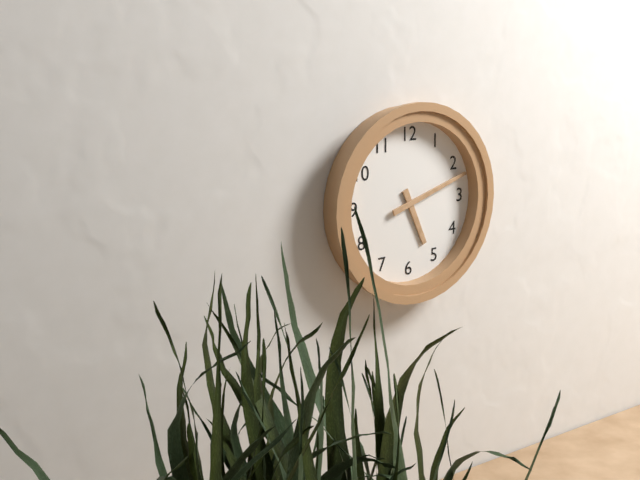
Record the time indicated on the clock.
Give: 5:12
